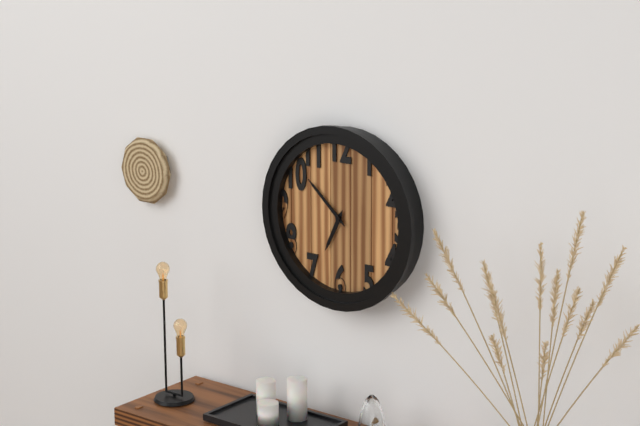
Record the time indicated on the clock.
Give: 6:52
